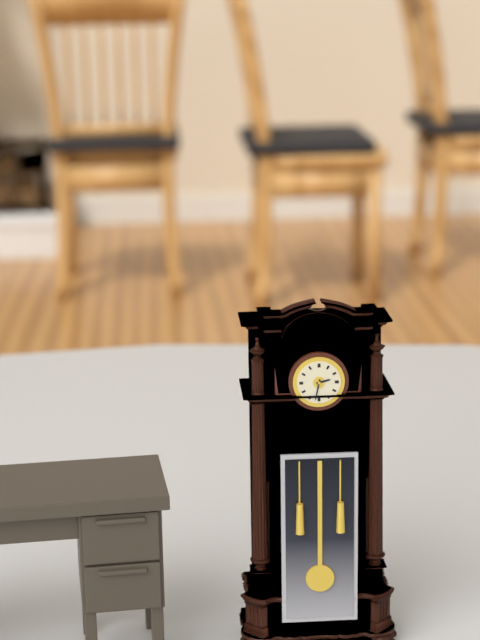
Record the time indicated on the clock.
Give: 2:32
